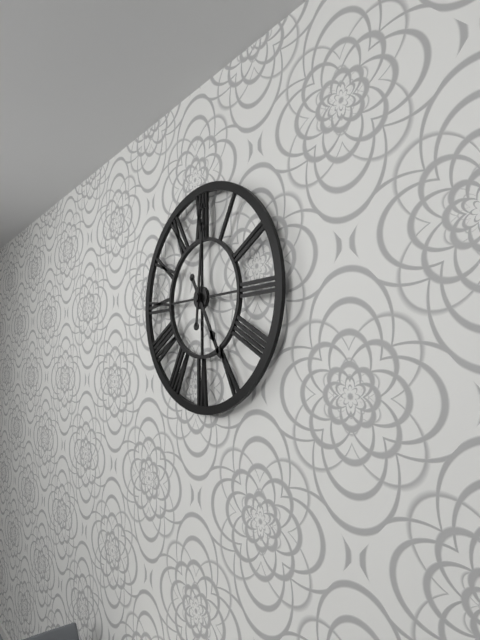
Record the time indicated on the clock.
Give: 5:01
